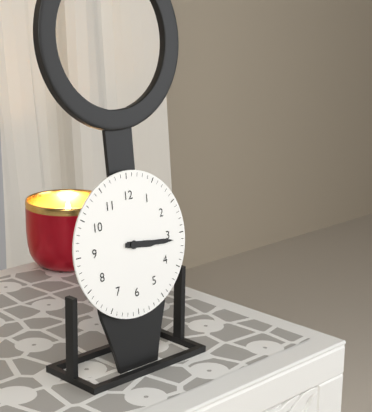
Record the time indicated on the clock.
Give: 3:16
